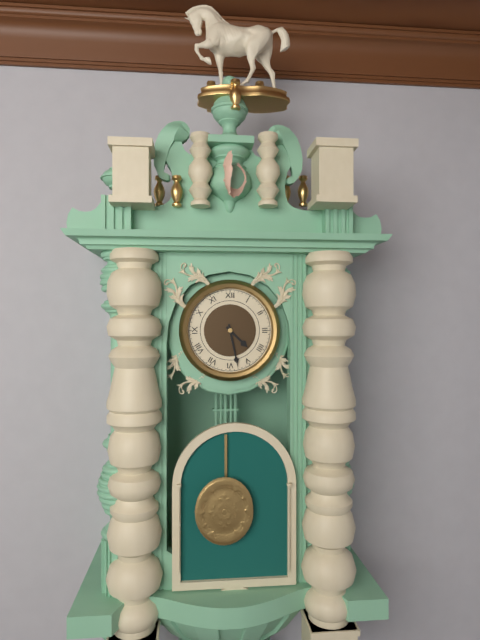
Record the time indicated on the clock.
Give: 4:28
